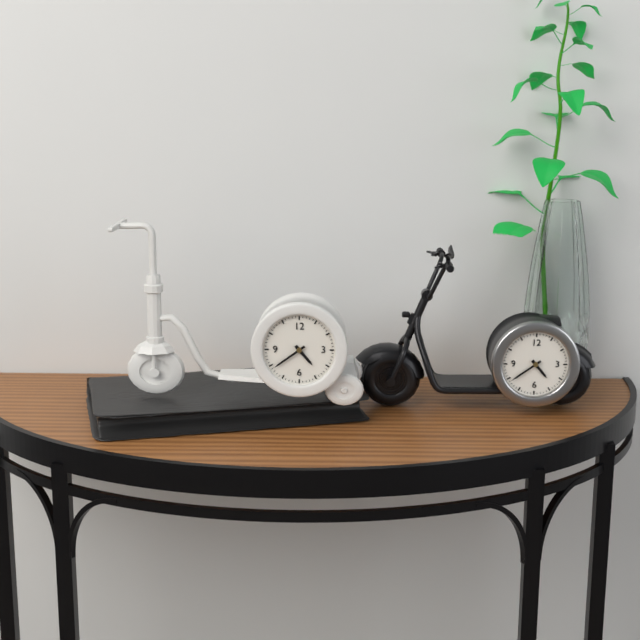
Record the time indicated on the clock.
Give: 4:39
